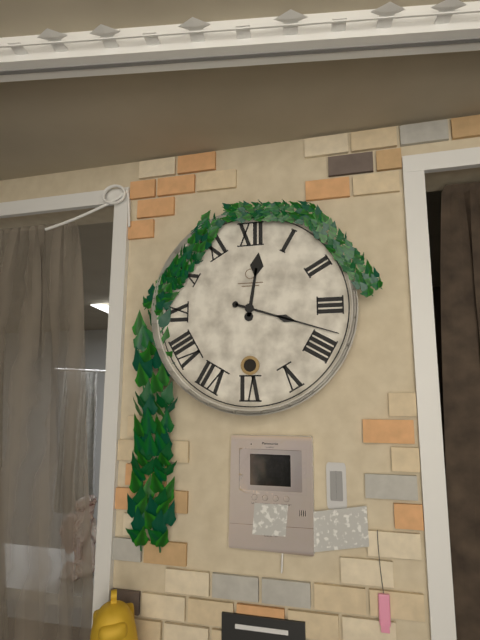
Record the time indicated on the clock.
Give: 12:18
